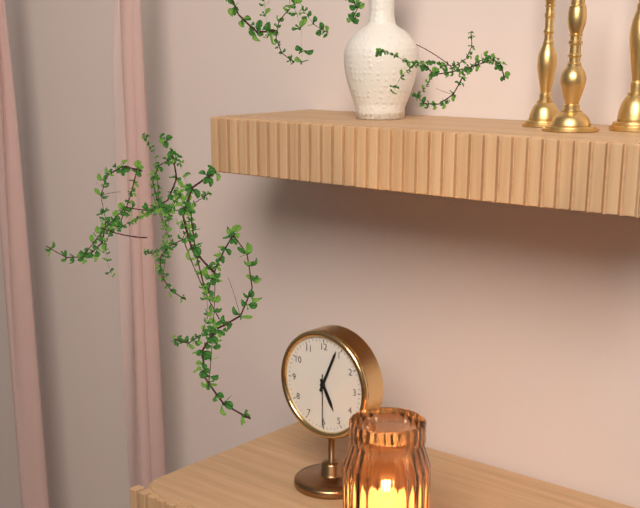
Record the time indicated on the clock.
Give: 5:04:30
